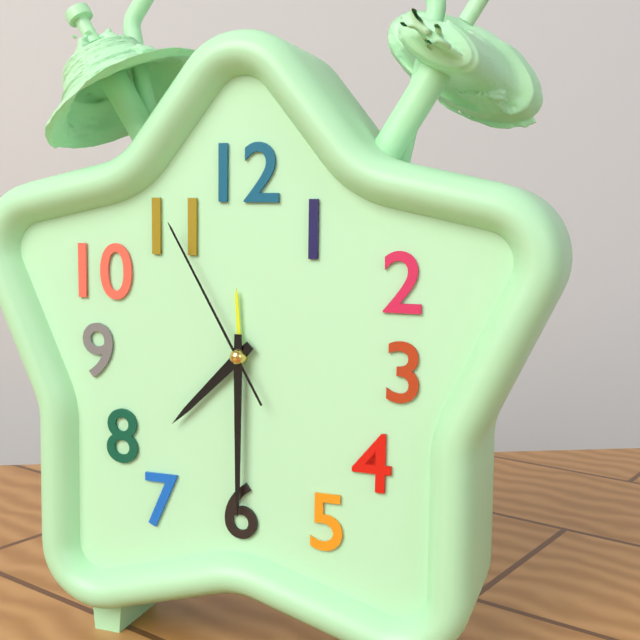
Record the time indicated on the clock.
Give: 7:30:55
